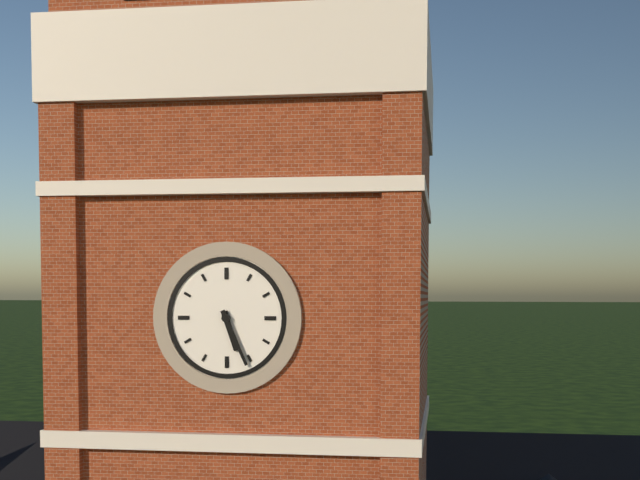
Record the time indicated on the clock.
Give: 5:26
